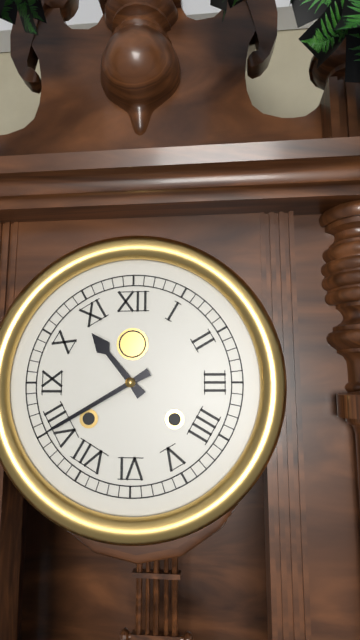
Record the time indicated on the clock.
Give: 10:40
